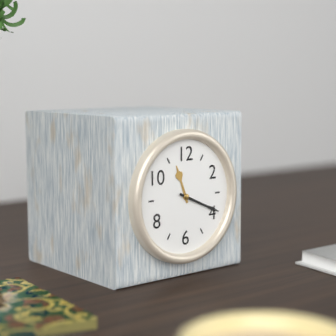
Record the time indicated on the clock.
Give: 11:19
